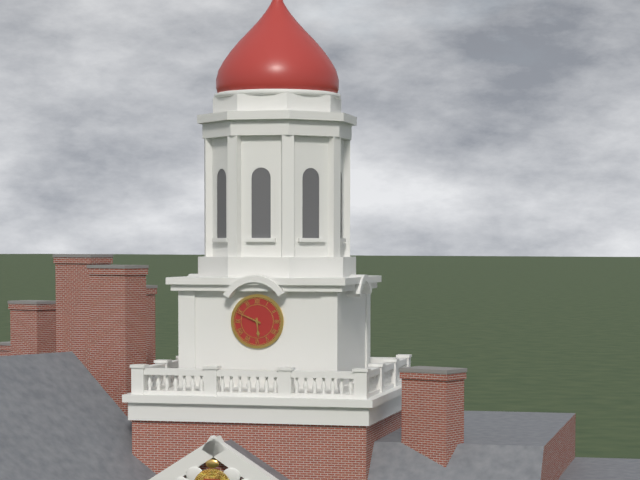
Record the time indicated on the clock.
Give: 5:49
